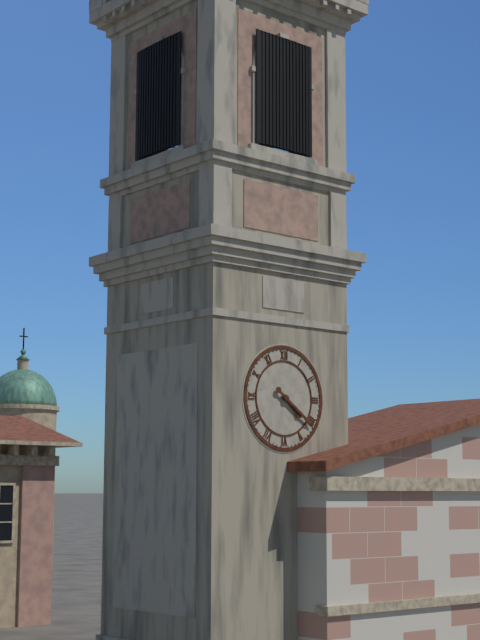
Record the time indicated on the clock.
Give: 4:21
